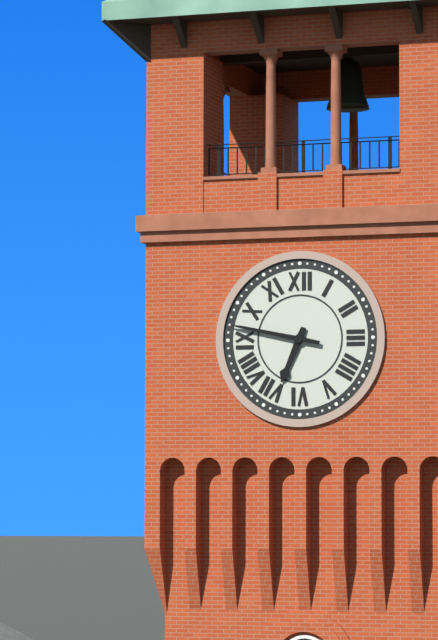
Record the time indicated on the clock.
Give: 6:47
